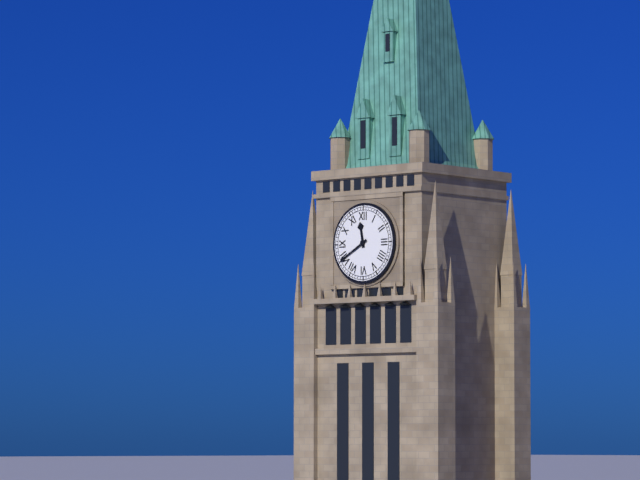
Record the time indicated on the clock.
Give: 11:40
